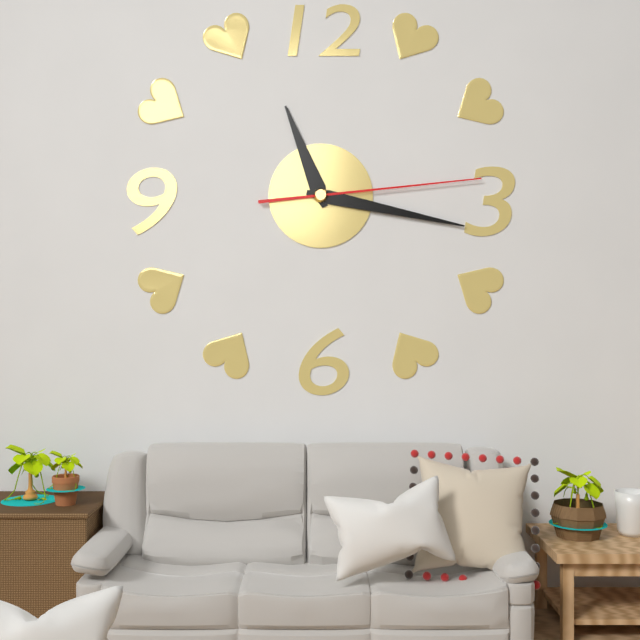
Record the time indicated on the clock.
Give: 11:17:14
